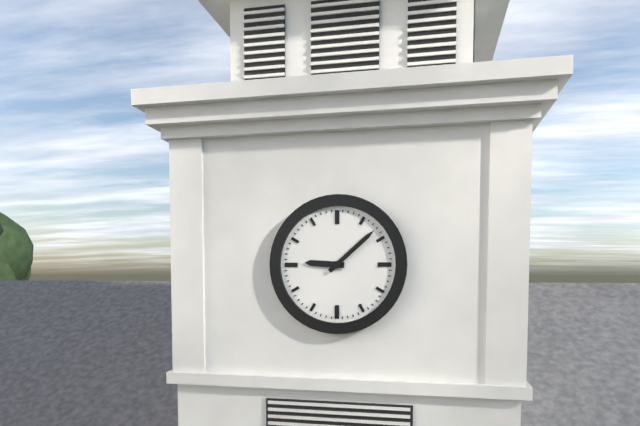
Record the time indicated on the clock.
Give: 9:08
